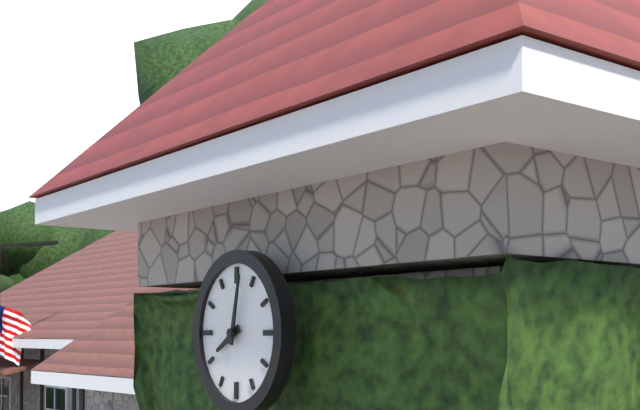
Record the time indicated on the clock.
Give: 8:02
